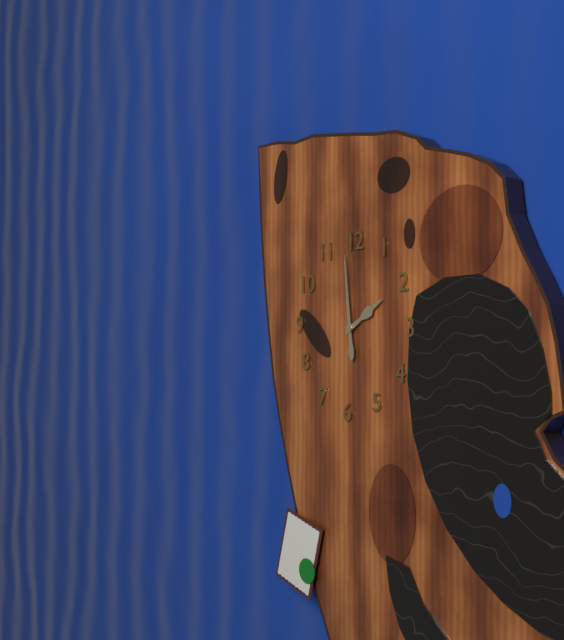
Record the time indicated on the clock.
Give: 1:59
